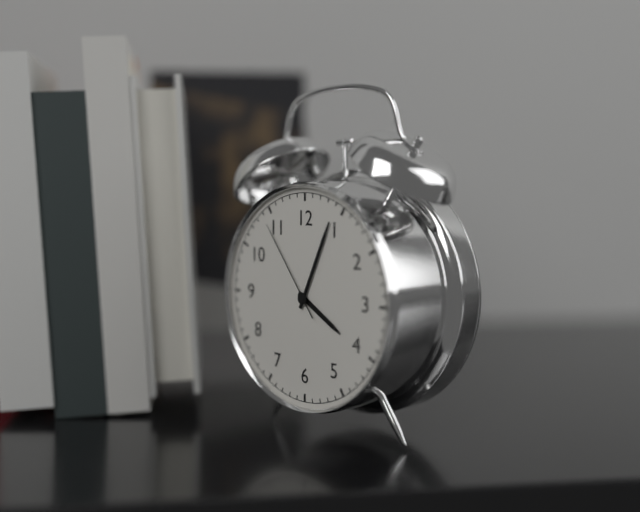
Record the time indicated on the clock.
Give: 4:04:54
